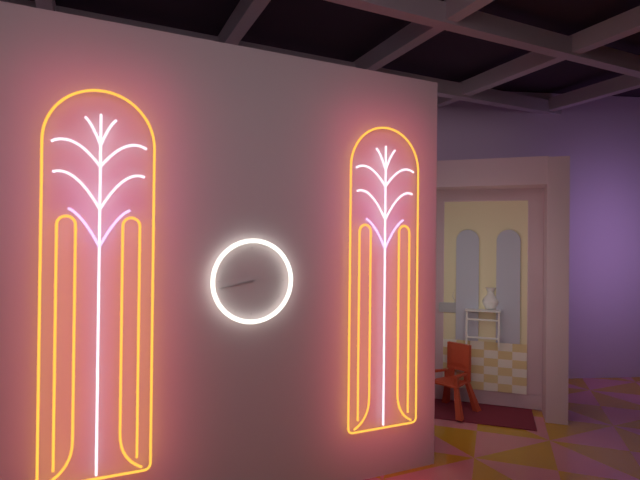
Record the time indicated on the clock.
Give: 8:43
